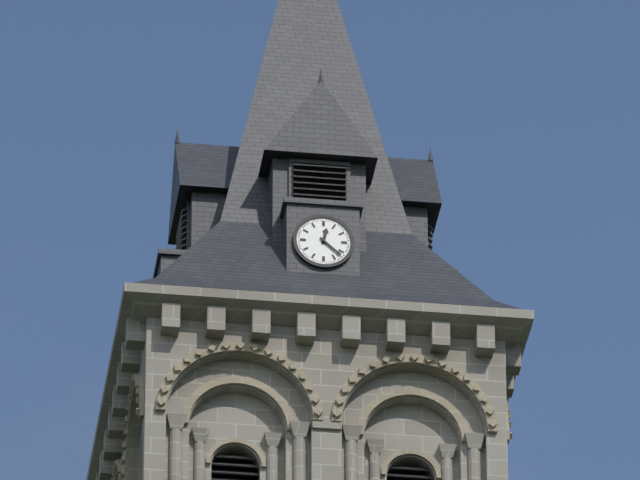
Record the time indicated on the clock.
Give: 12:22
